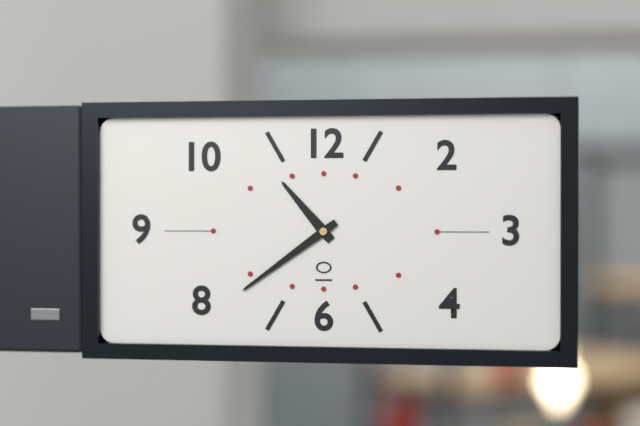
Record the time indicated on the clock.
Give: 10:39
